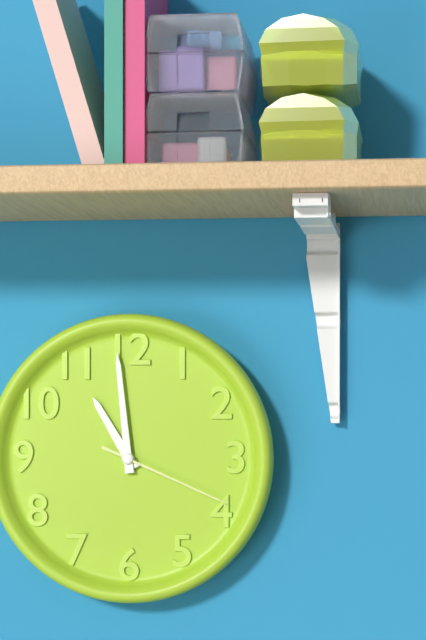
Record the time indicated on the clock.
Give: 10:59:19
